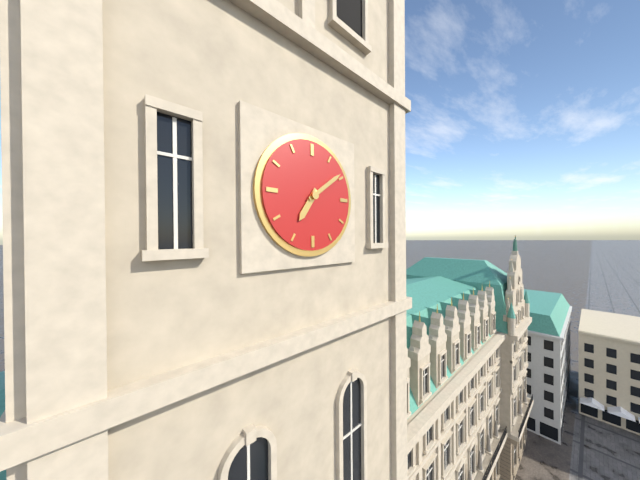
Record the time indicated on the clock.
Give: 7:09
